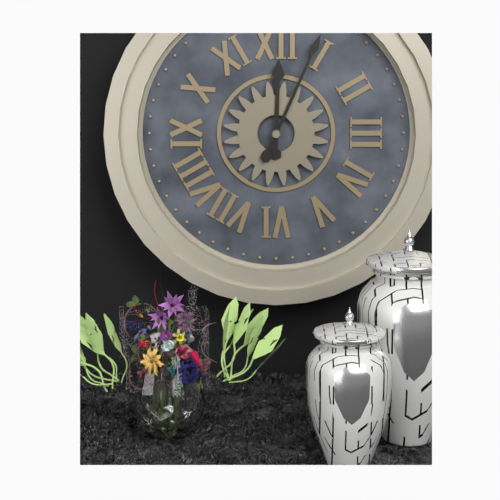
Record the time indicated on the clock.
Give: 12:04
